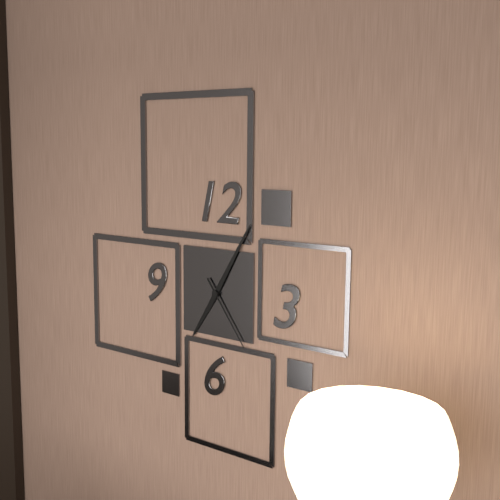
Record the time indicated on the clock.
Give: 7:05:24
